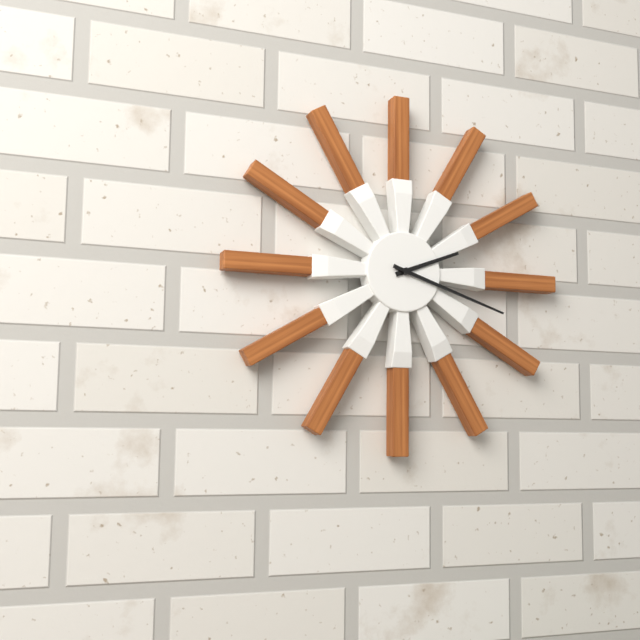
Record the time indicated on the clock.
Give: 2:18
